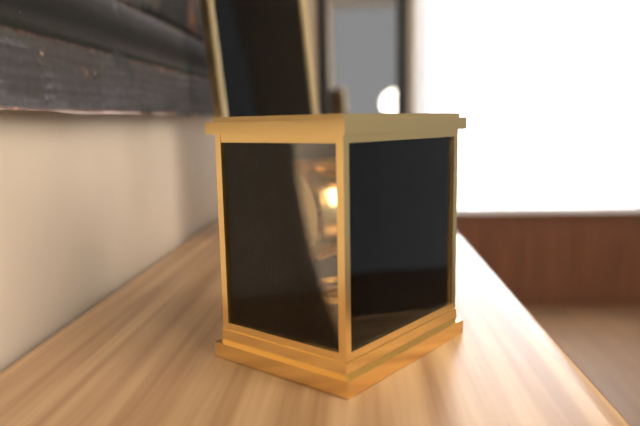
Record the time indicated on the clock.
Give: 12:59
